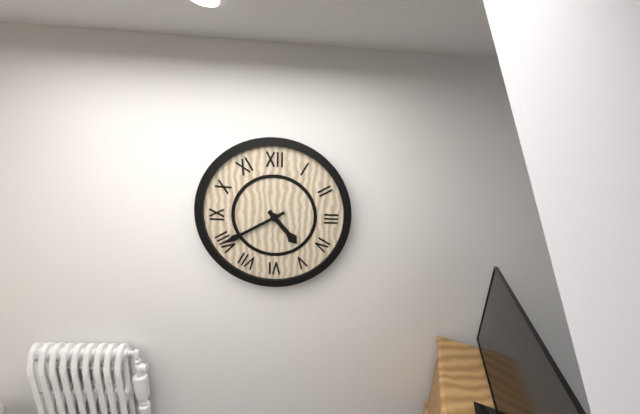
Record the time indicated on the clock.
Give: 4:40
